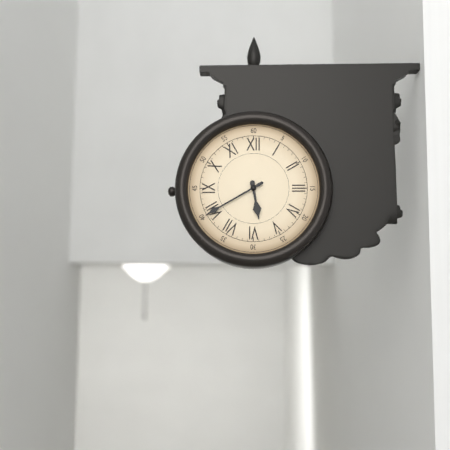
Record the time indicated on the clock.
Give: 5:40
